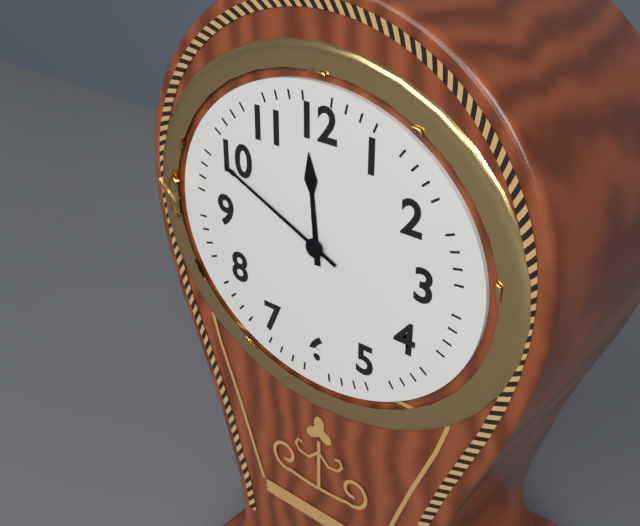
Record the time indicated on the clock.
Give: 11:49
